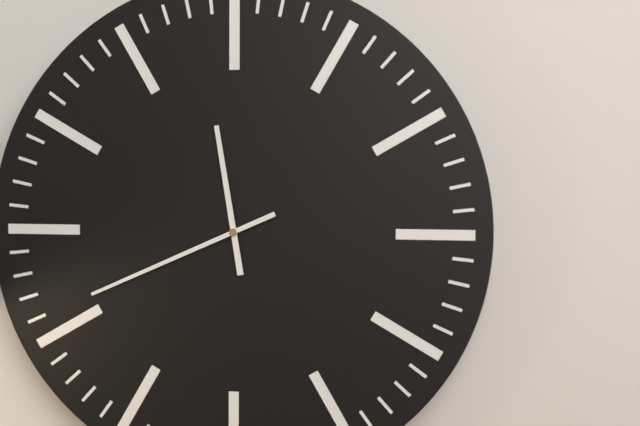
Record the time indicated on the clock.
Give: 11:41
